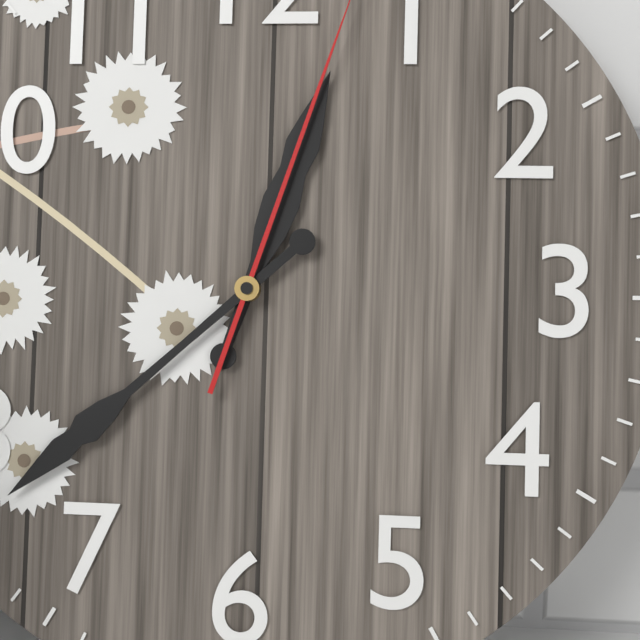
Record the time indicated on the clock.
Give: 12:38
